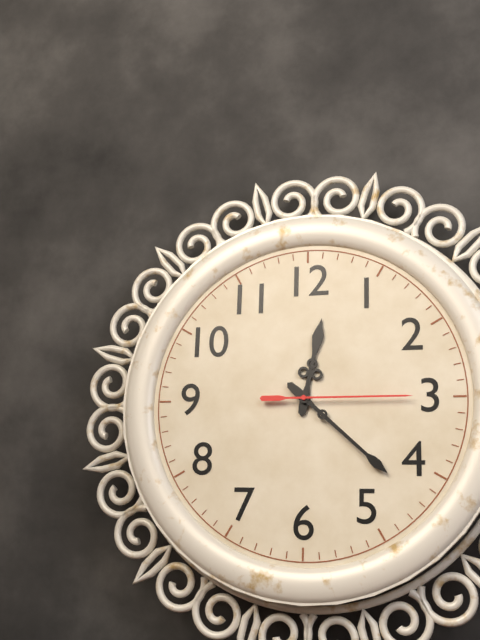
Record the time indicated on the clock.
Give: 12:22:15
